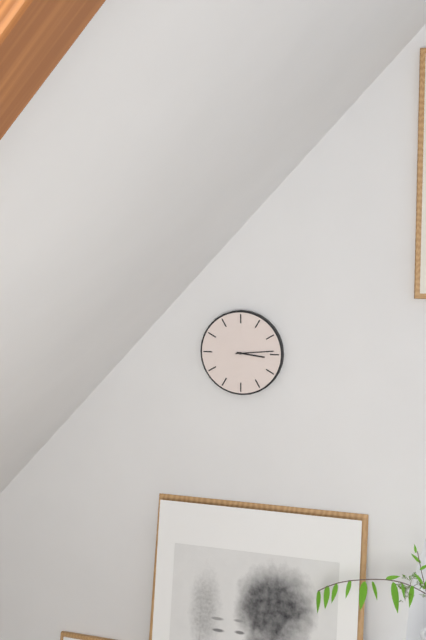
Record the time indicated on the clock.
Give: 3:14
